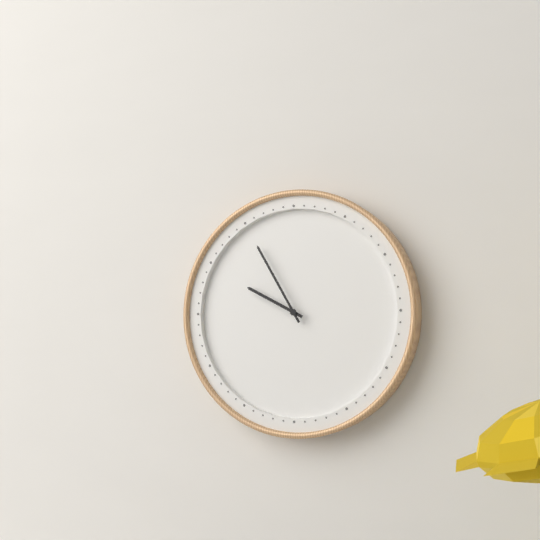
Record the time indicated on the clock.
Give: 9:55
